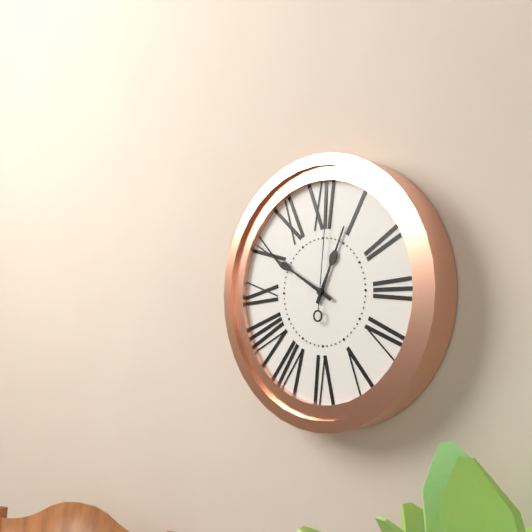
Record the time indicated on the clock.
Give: 12:50:01
